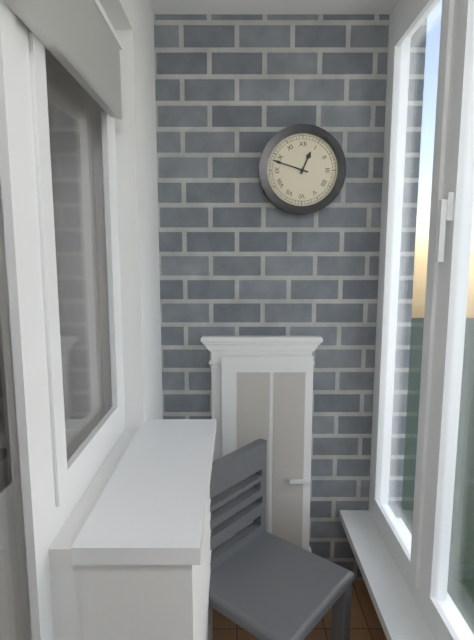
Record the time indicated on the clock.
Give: 12:48
